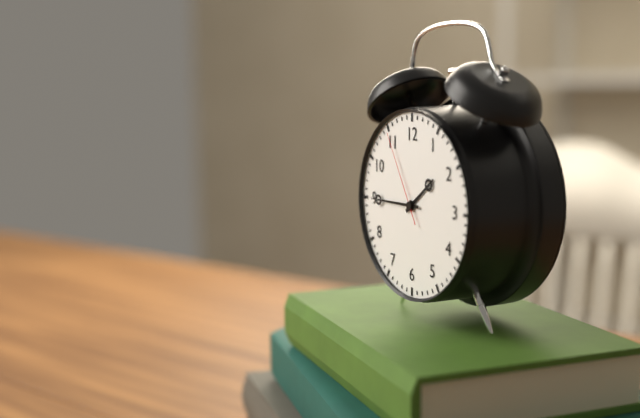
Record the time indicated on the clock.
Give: 1:45:55
